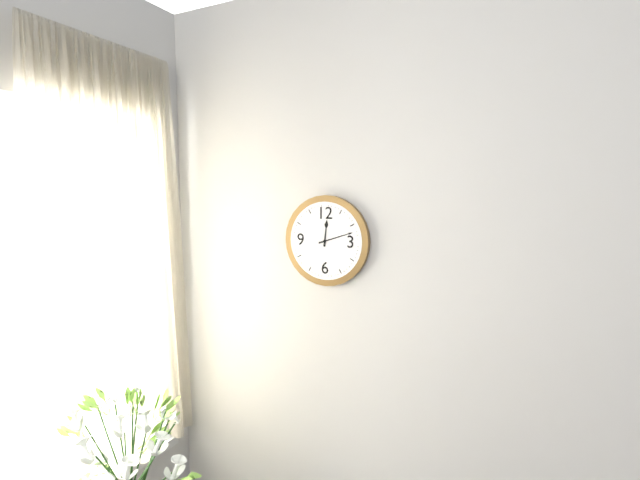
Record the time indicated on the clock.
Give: 12:12
